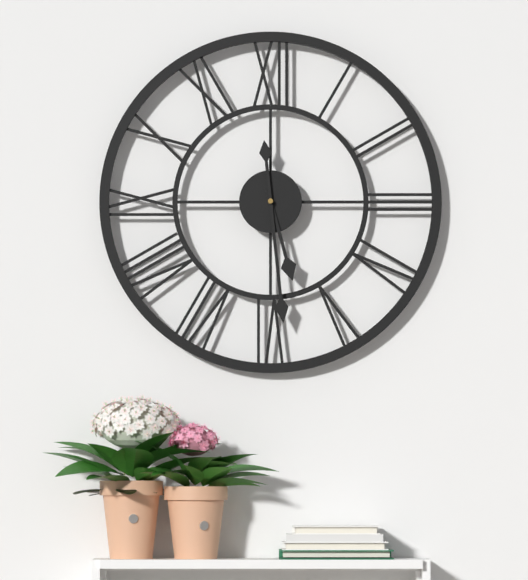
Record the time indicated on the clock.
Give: 5:29
